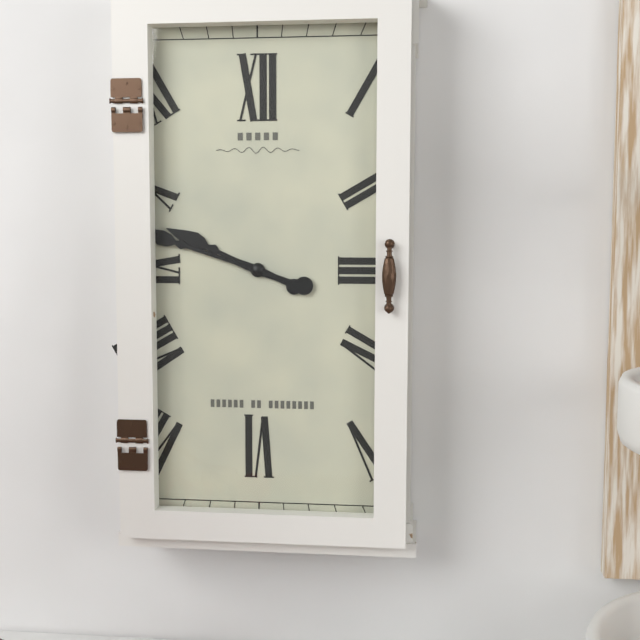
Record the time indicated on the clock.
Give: 9:48
